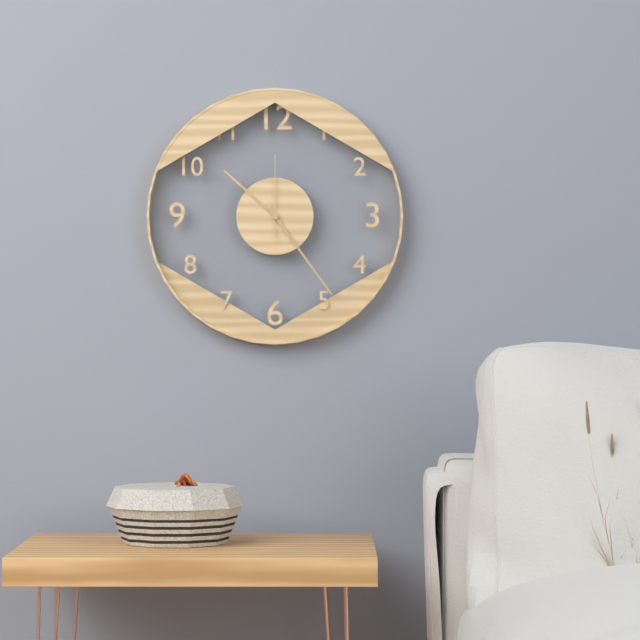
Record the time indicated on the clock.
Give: 10:24:00
